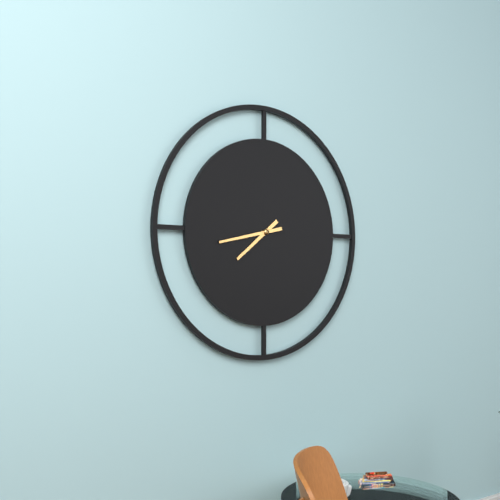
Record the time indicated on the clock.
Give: 7:43
